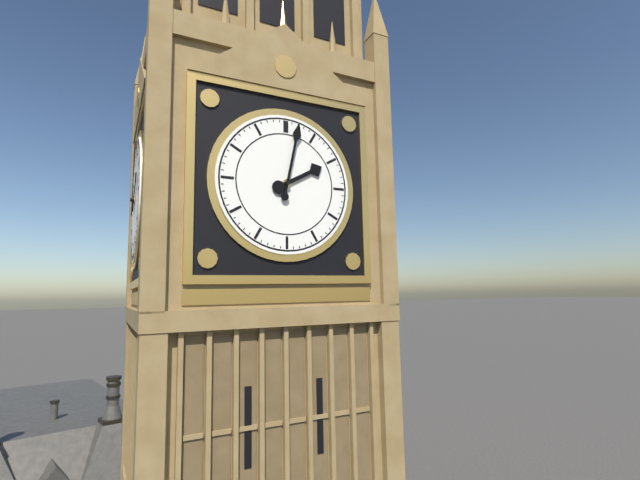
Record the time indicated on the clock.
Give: 2:02
